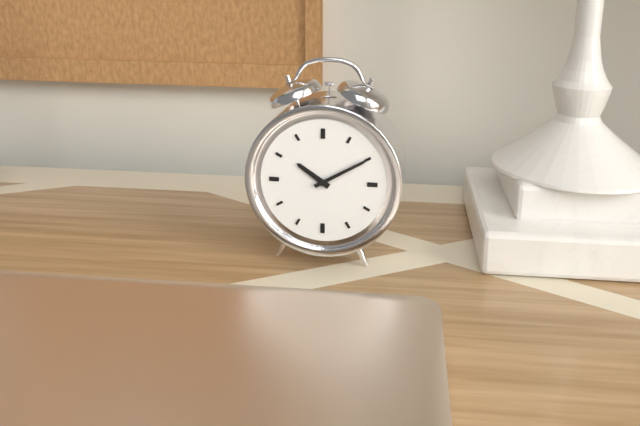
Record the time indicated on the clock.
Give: 10:10
